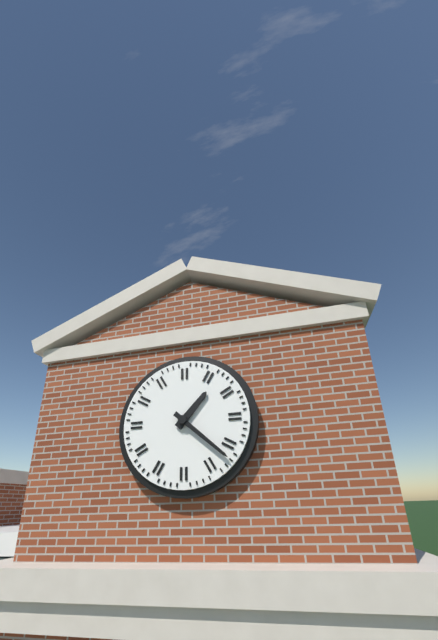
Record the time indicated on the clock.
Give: 1:22
